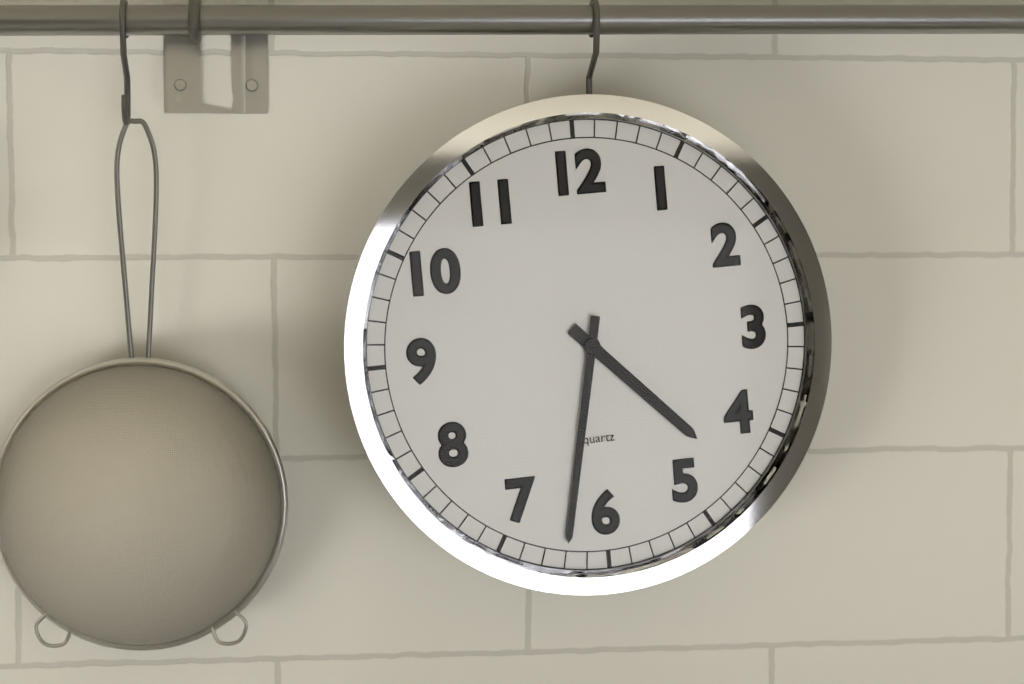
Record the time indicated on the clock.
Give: 4:32
